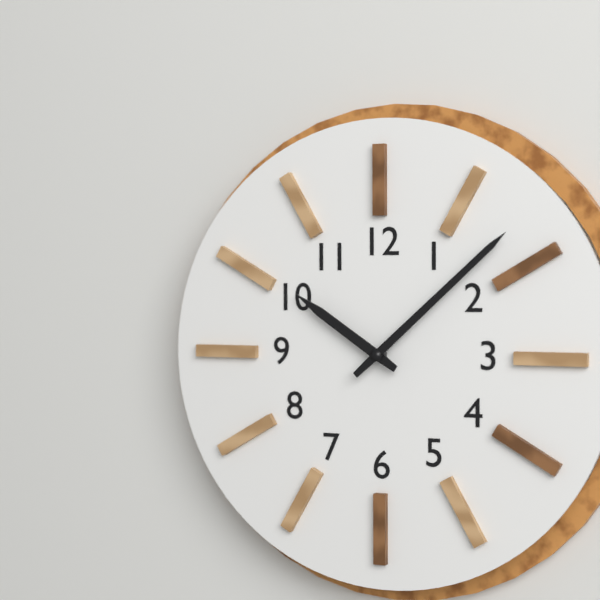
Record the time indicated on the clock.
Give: 10:08
